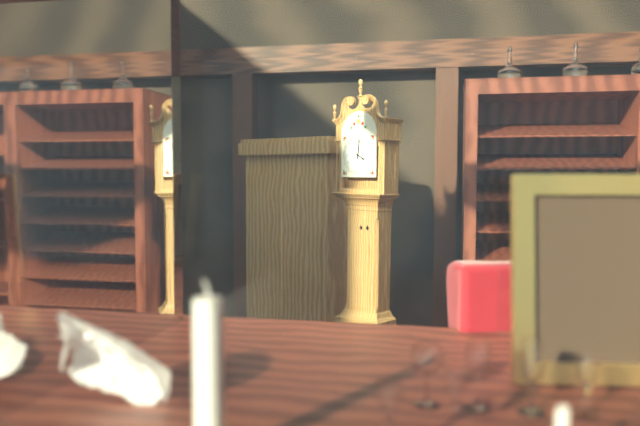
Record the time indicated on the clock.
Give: 4:01
